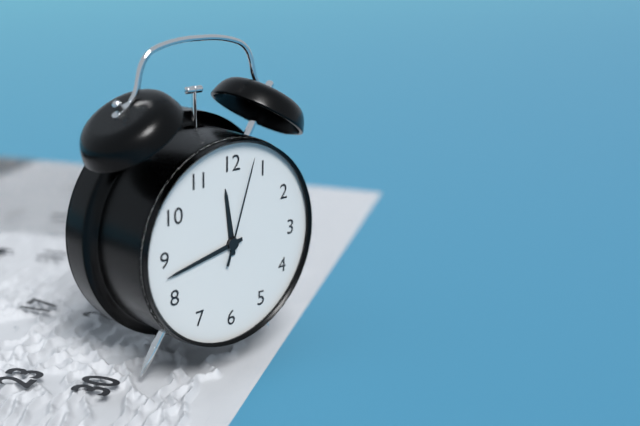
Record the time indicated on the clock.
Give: 11:43:03
